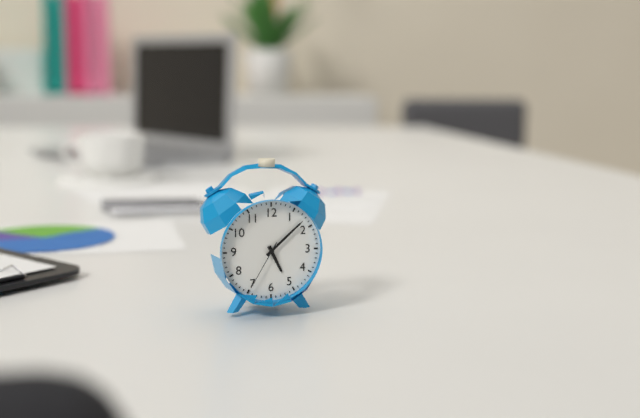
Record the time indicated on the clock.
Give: 5:08:35
